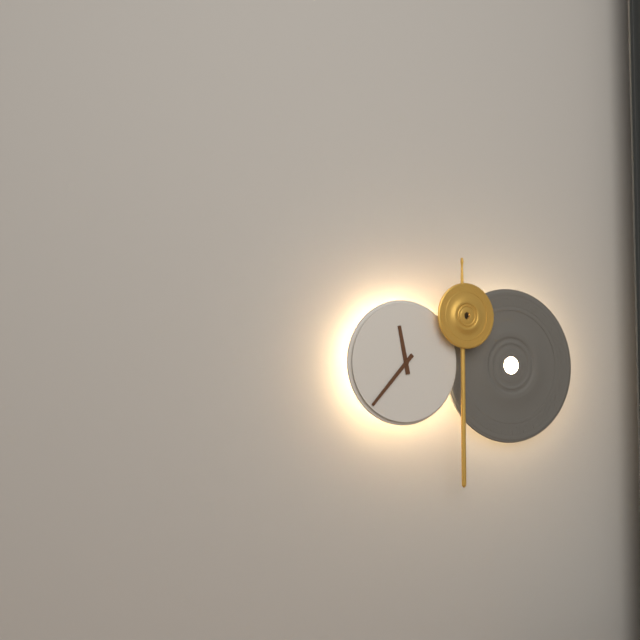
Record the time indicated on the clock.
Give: 11:37
